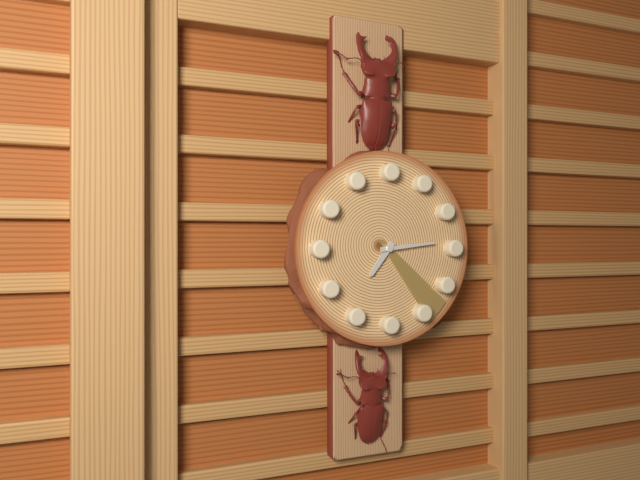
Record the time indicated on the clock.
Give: 7:14:23
